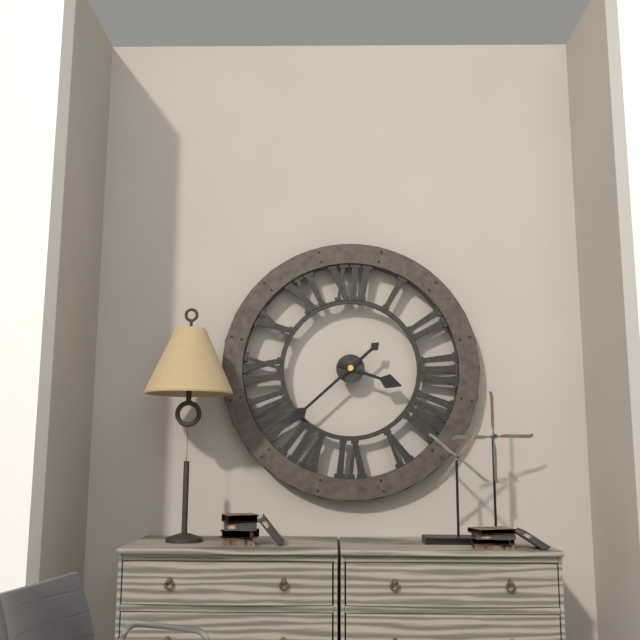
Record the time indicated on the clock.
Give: 3:38
